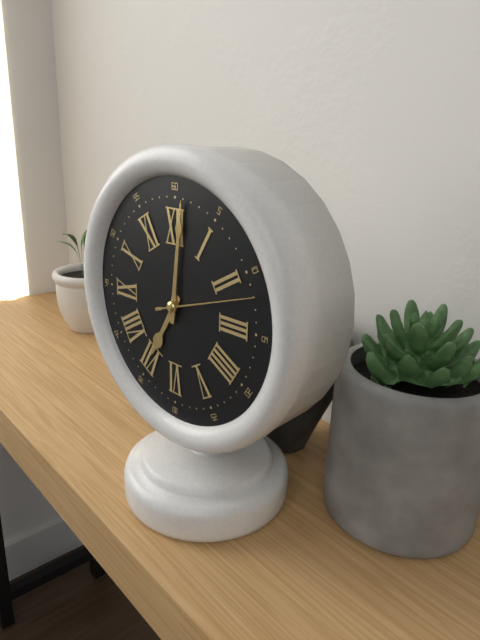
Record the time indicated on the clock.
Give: 7:01:12
